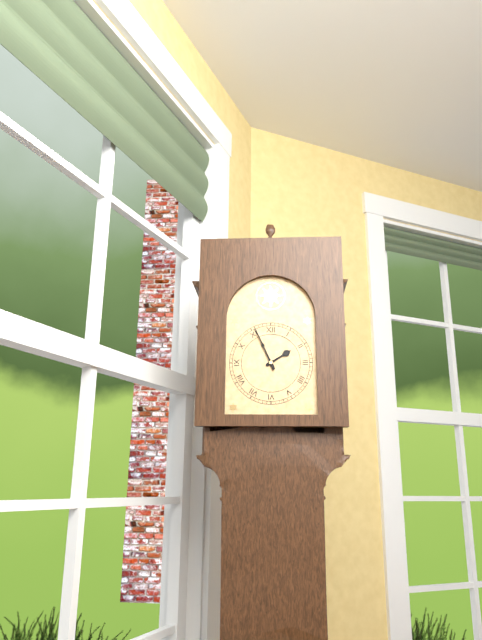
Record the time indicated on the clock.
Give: 1:56
